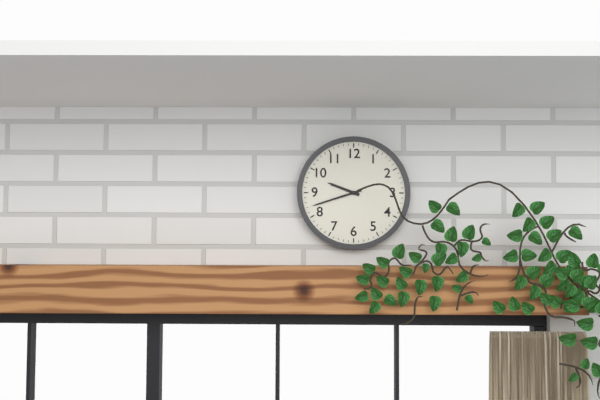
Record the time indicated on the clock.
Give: 9:42
